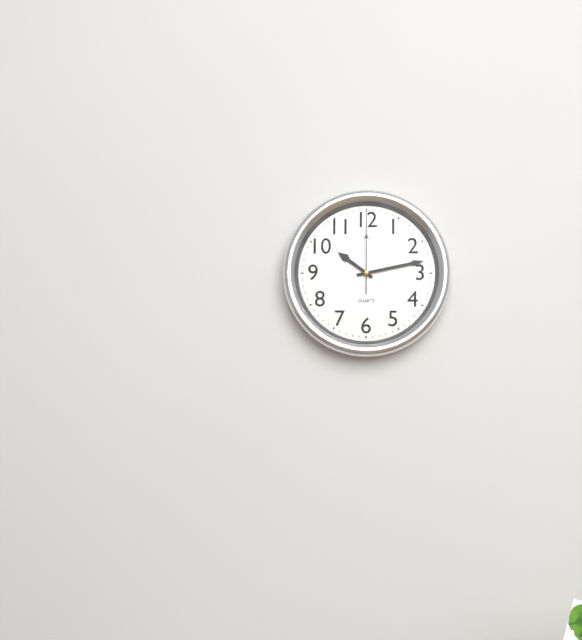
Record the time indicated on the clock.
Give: 10:13:00
